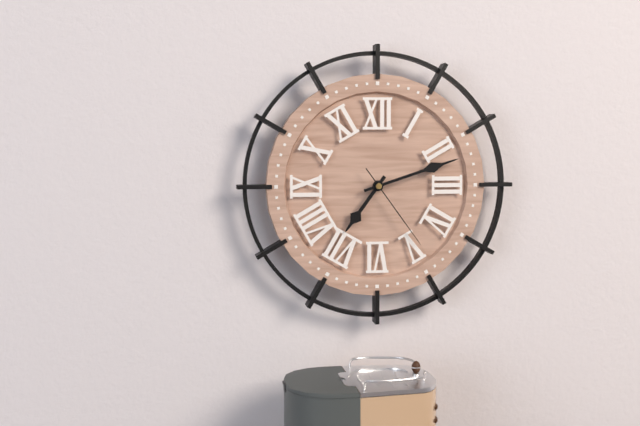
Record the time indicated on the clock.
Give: 7:12:24
